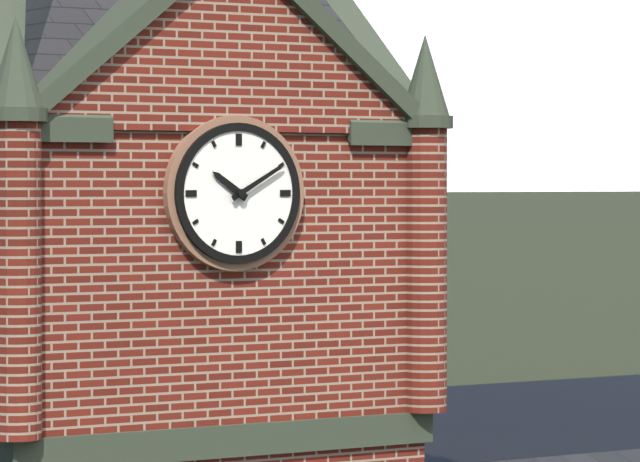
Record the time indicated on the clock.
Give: 10:10
